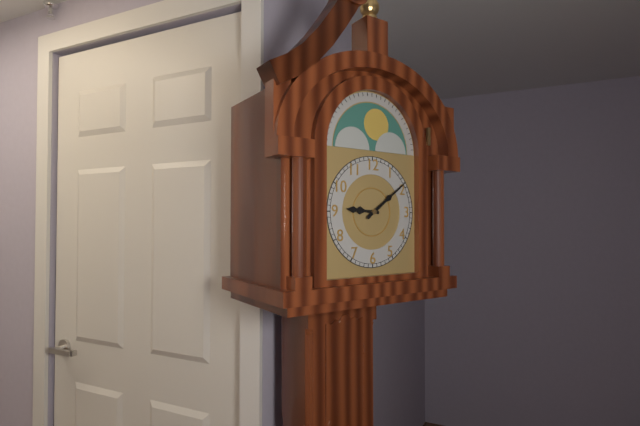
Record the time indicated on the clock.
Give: 9:09
